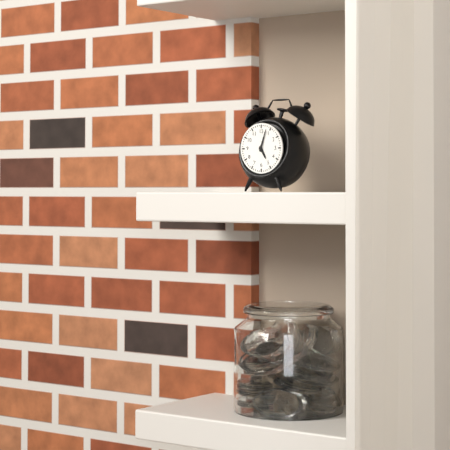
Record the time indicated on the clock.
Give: 5:03
